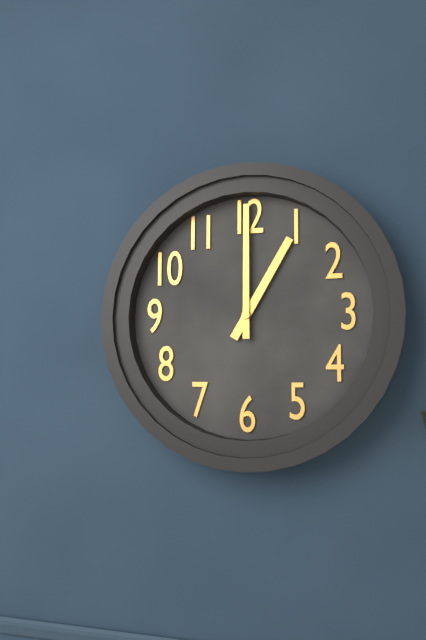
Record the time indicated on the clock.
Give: 1:00
